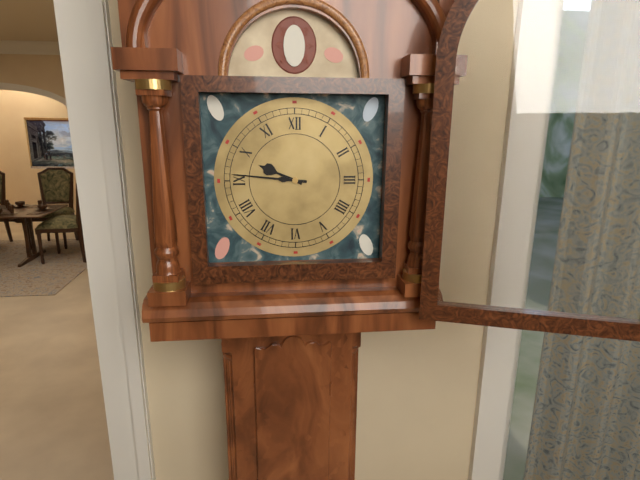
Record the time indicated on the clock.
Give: 9:46
